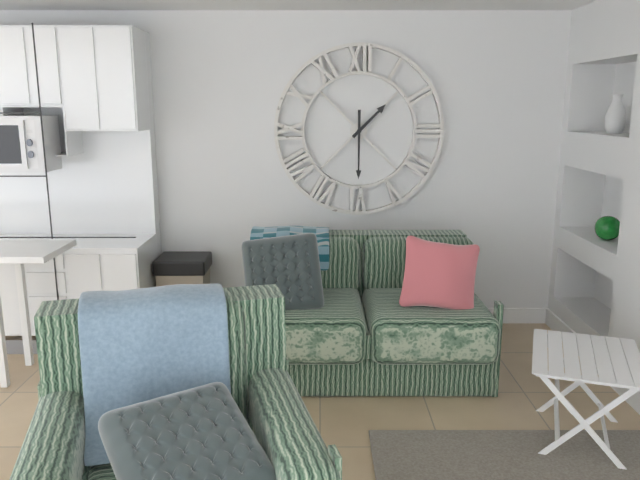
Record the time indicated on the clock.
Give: 1:30
